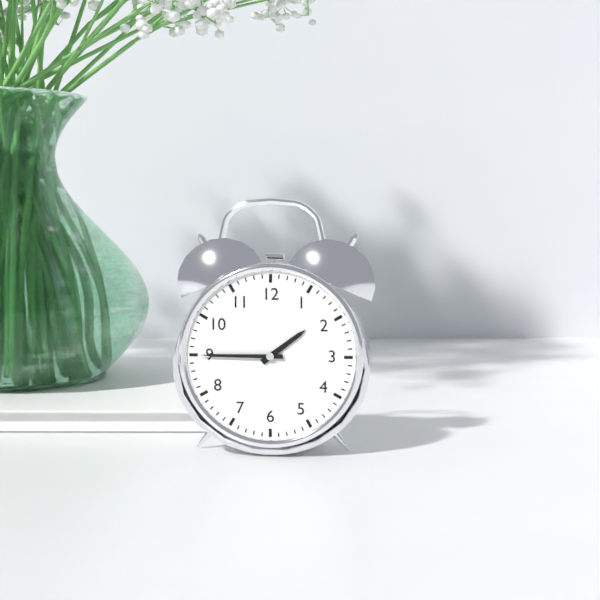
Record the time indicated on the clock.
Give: 1:45
